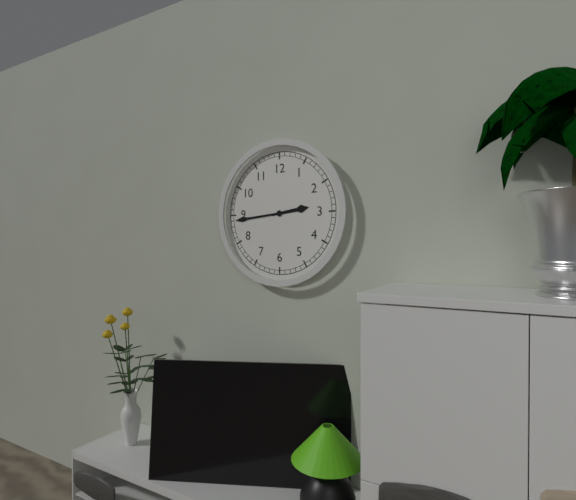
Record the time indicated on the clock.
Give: 2:44
